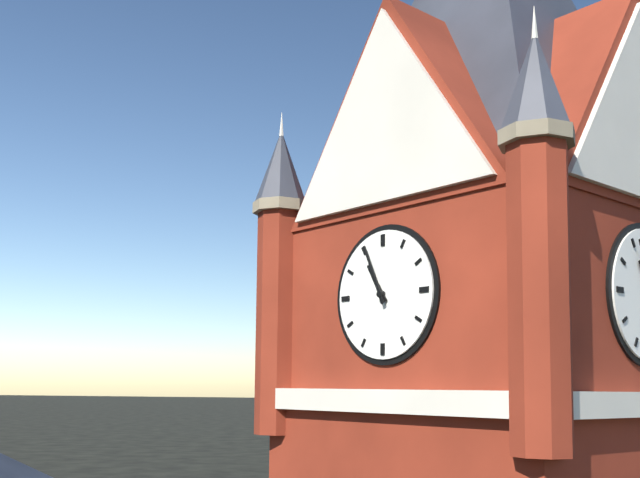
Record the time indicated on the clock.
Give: 10:56
